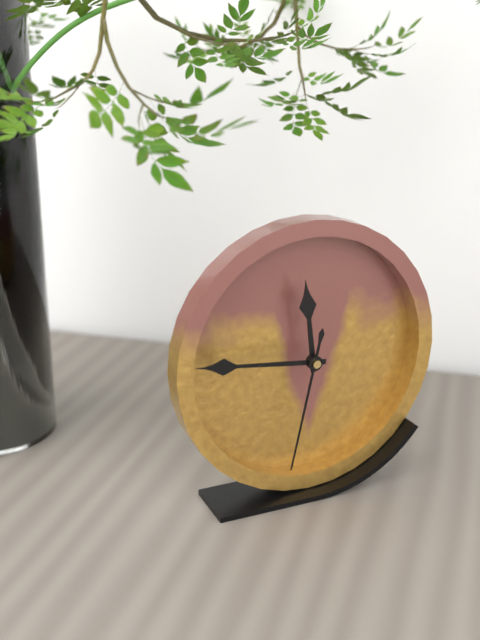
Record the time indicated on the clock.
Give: 11:46:32
